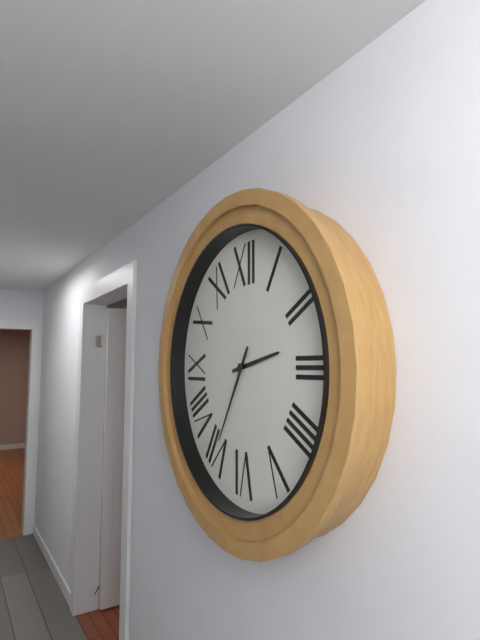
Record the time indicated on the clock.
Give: 2:35
